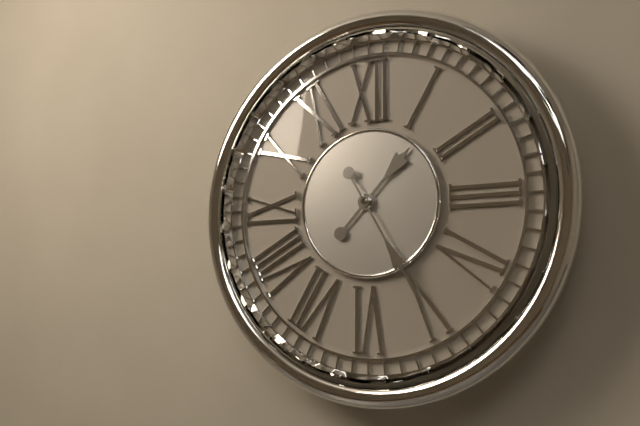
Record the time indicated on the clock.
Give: 1:25
